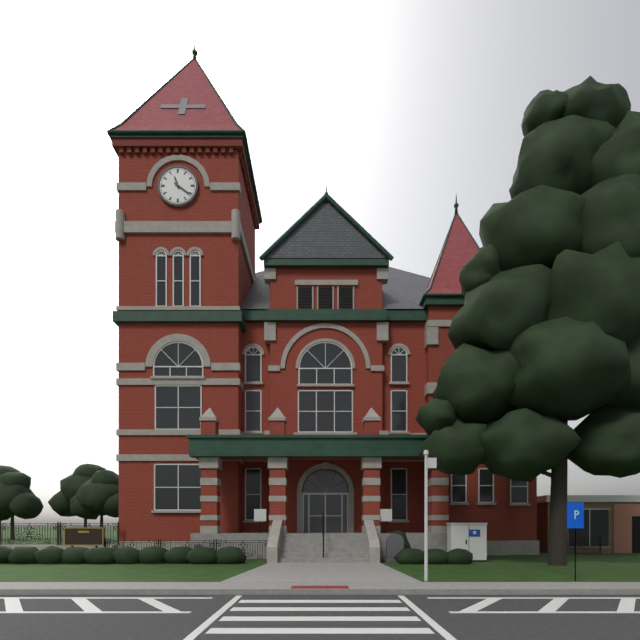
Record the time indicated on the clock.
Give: 11:21
